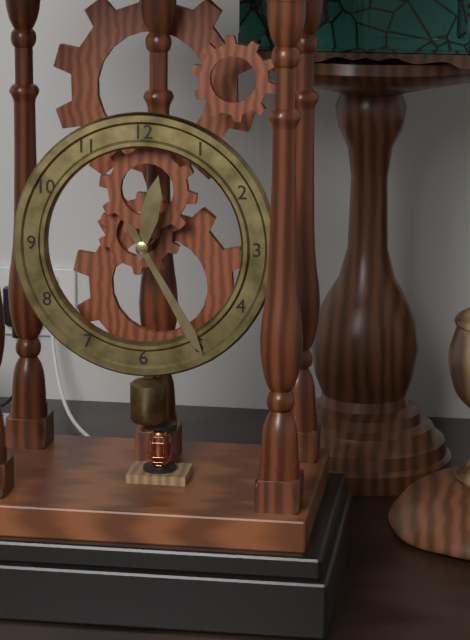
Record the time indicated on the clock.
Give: 12:25
